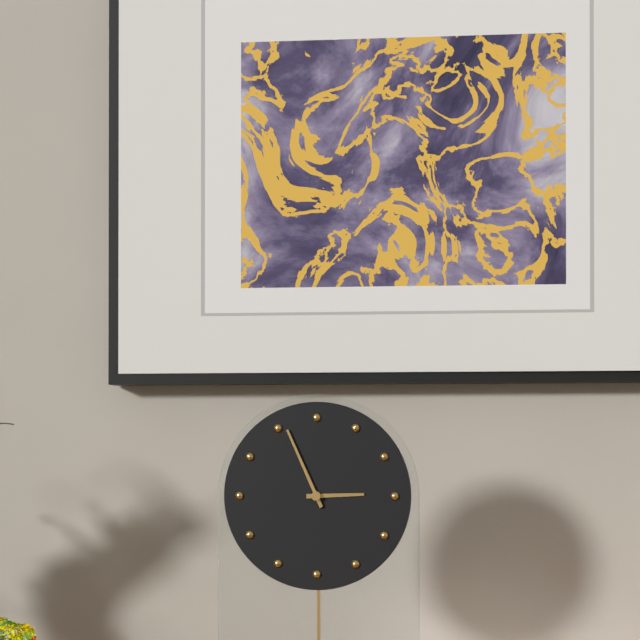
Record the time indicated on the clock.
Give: 2:56
